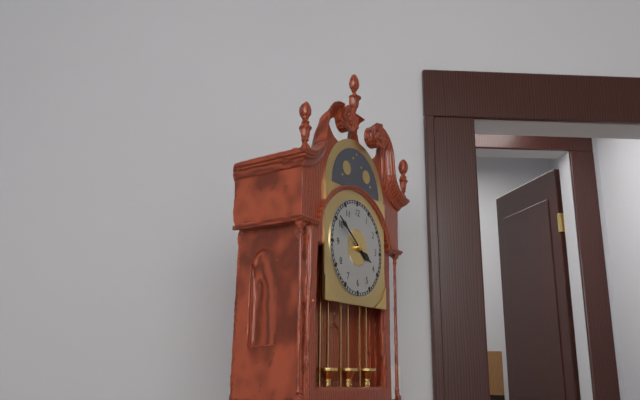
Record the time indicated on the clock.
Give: 3:51
